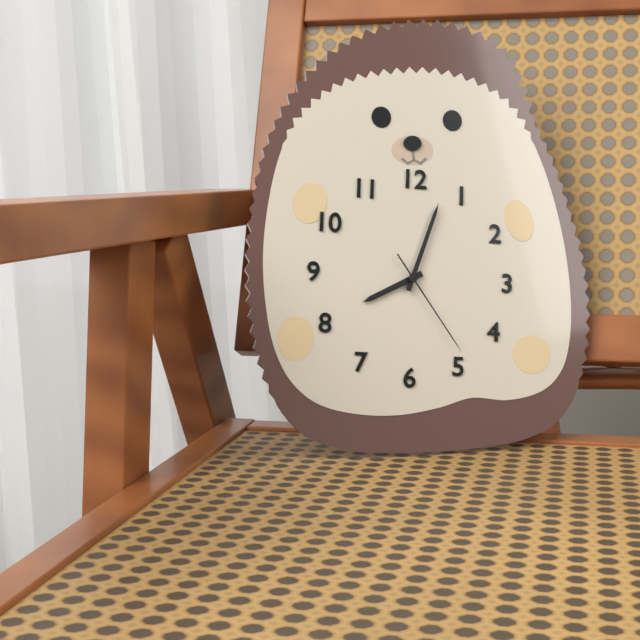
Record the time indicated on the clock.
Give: 8:03:24
